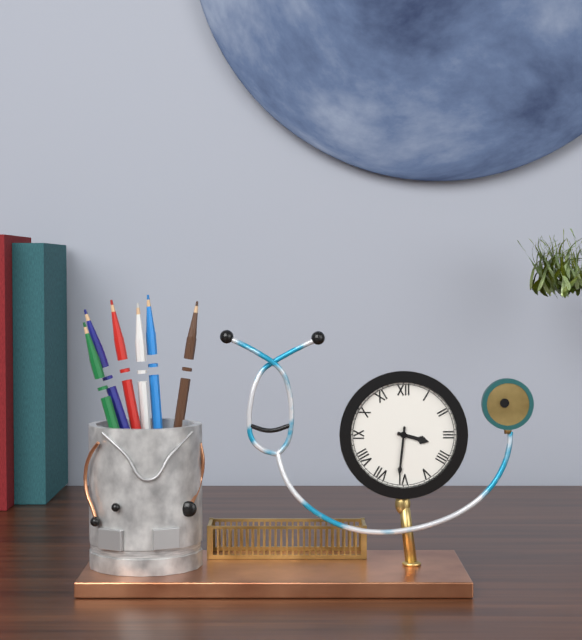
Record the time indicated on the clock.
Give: 3:31
